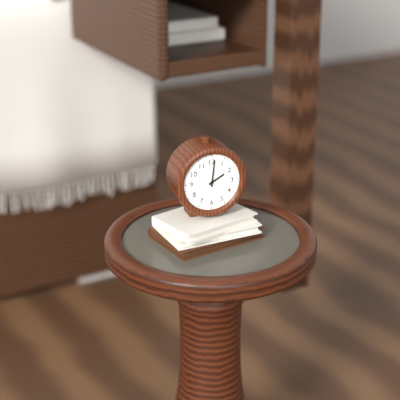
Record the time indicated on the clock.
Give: 2:01
